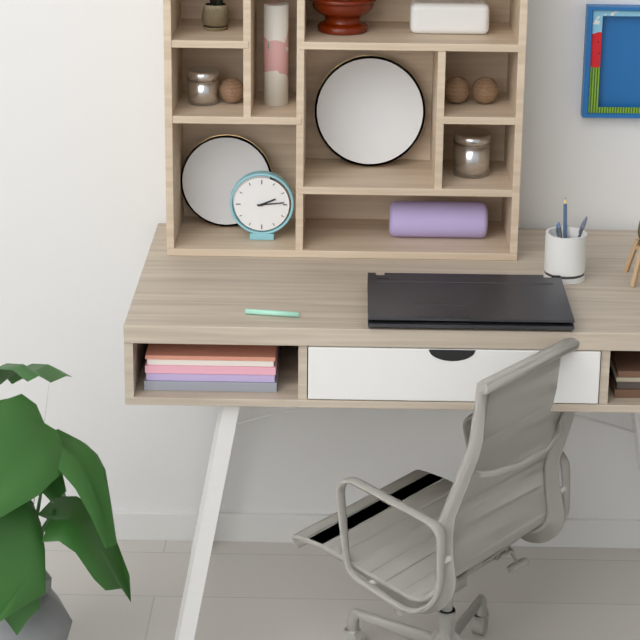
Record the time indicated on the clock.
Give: 2:14
